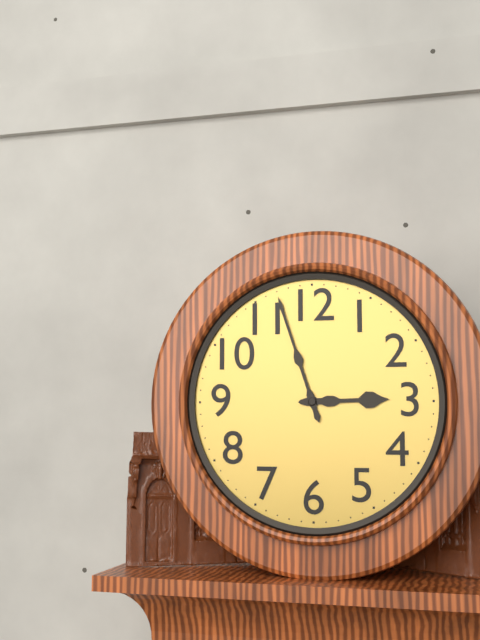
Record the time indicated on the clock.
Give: 2:57
